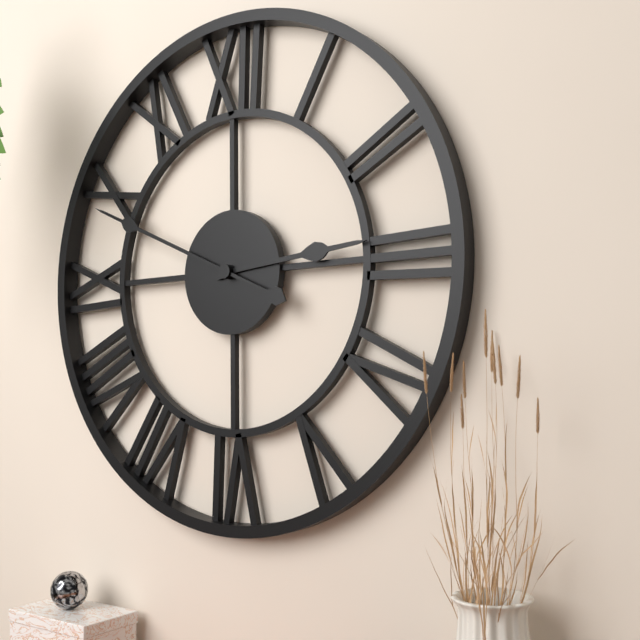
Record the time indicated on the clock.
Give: 2:49
